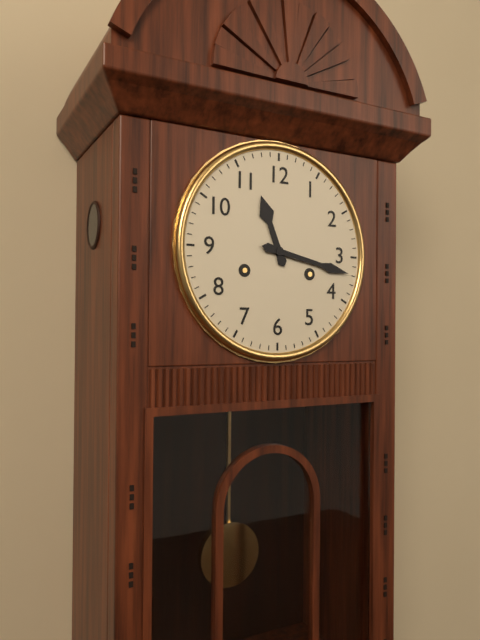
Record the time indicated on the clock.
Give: 11:17
